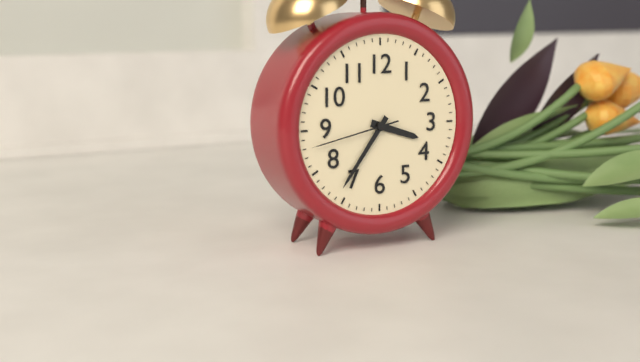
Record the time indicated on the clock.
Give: 3:36:43
